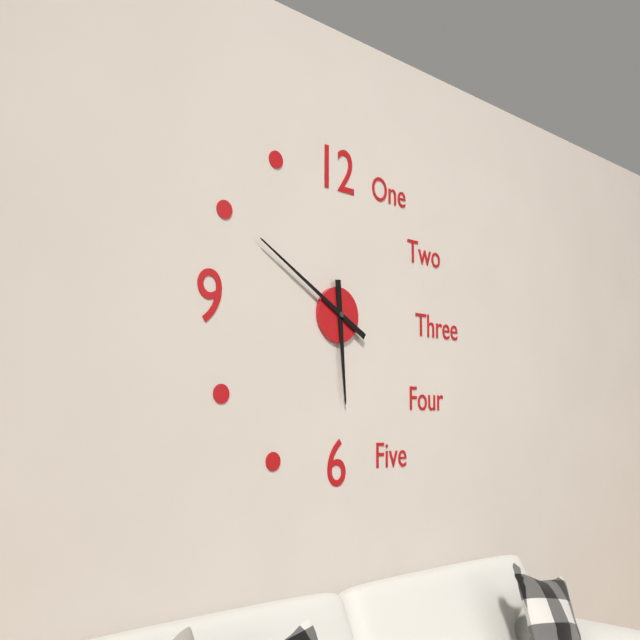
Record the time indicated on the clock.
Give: 5:50
